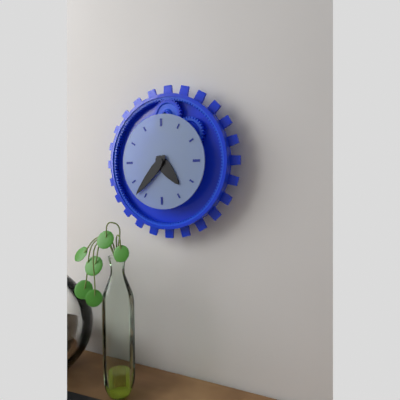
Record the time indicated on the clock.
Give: 4:37
